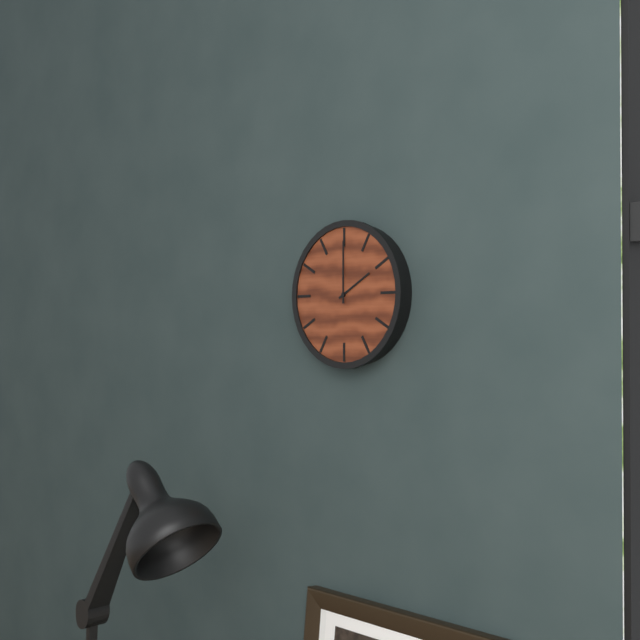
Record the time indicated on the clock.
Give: 2:00
